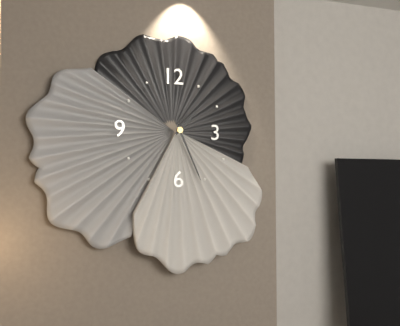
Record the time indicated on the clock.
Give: 1:26
